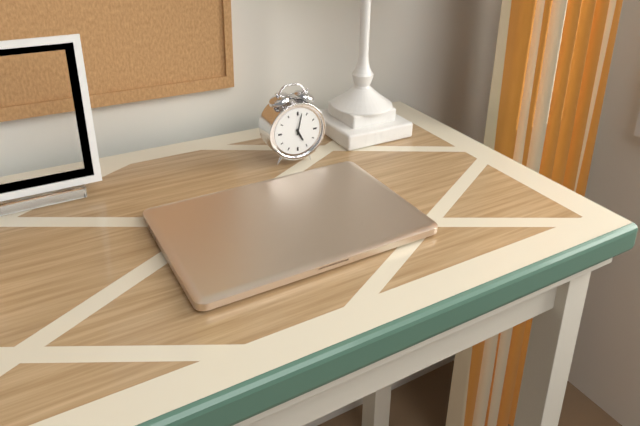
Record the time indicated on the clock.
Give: 5:02
